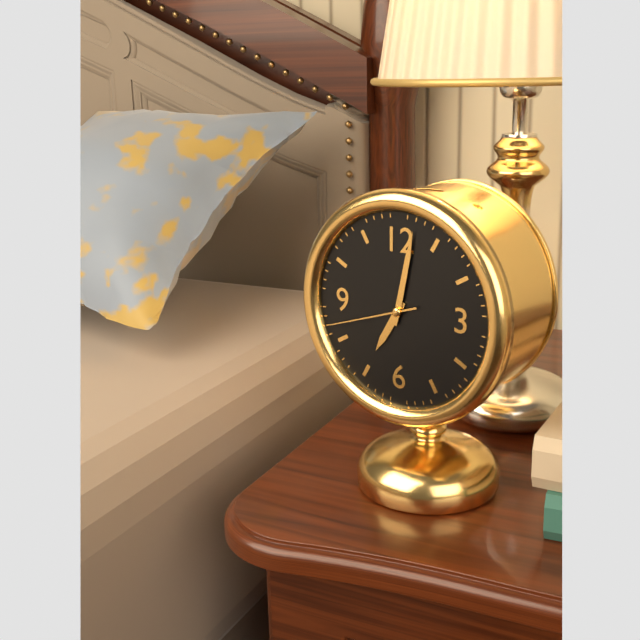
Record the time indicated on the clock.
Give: 7:02:42
